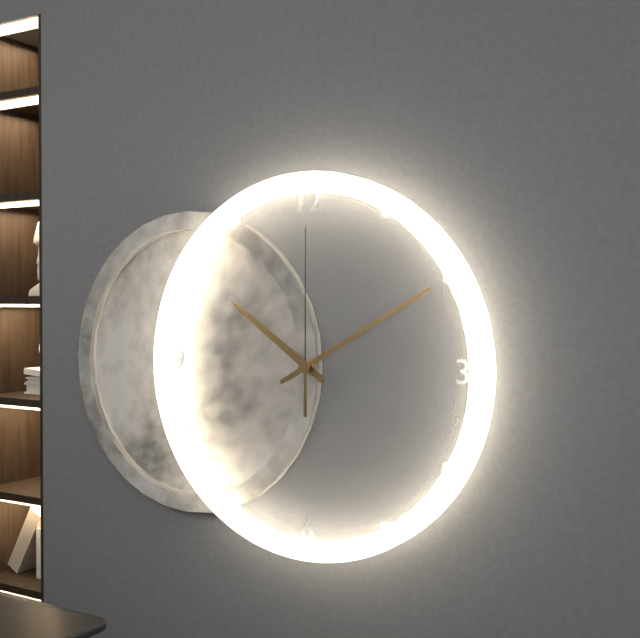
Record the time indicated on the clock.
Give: 10:10:00
